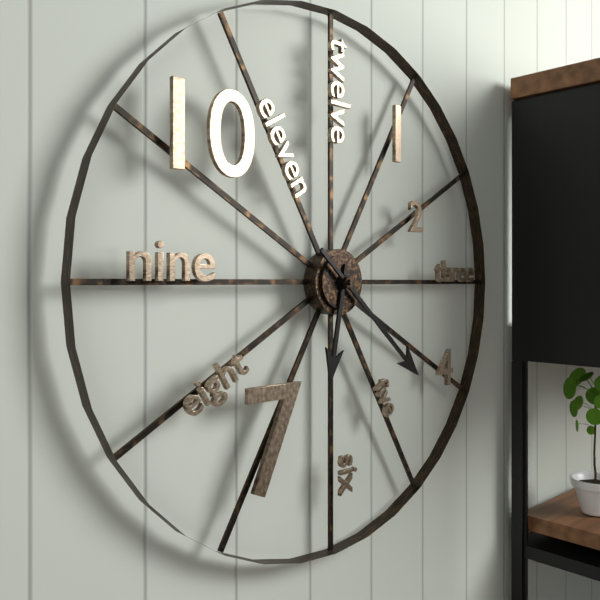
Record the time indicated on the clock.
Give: 6:22
